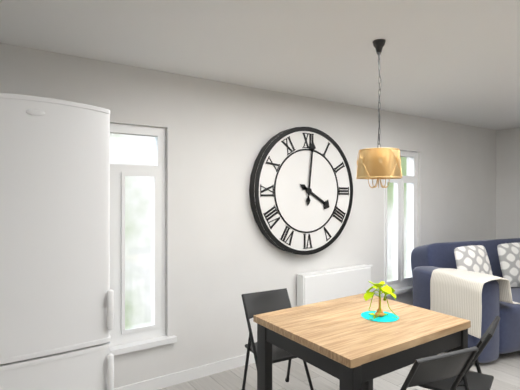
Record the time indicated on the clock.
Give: 4:01
